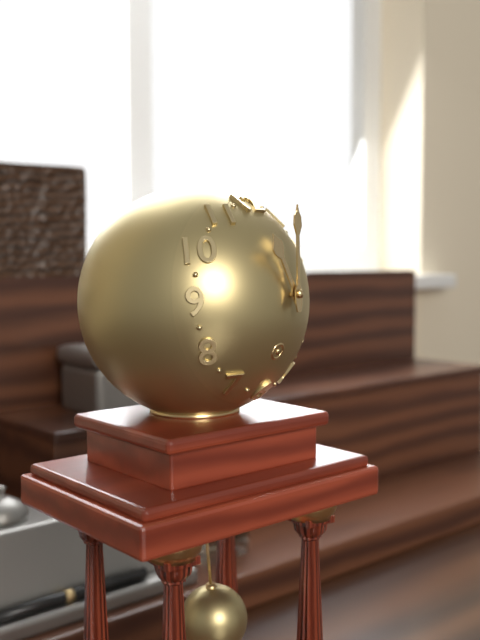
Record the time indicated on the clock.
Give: 11:01
